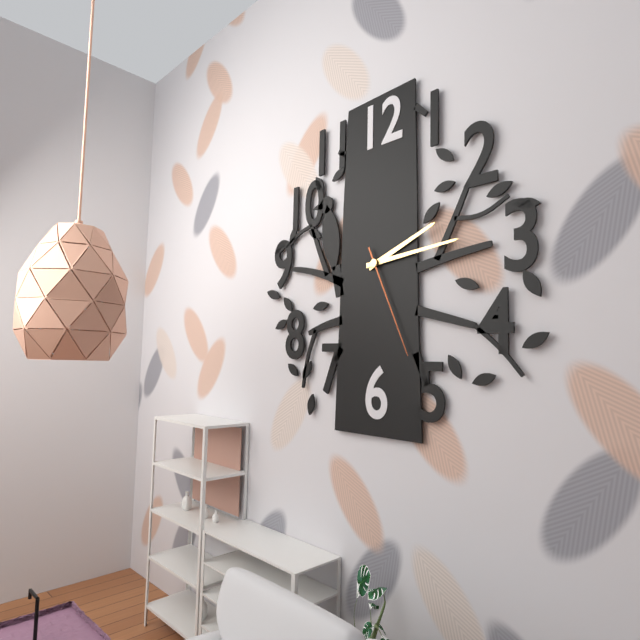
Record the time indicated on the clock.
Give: 2:14:26
